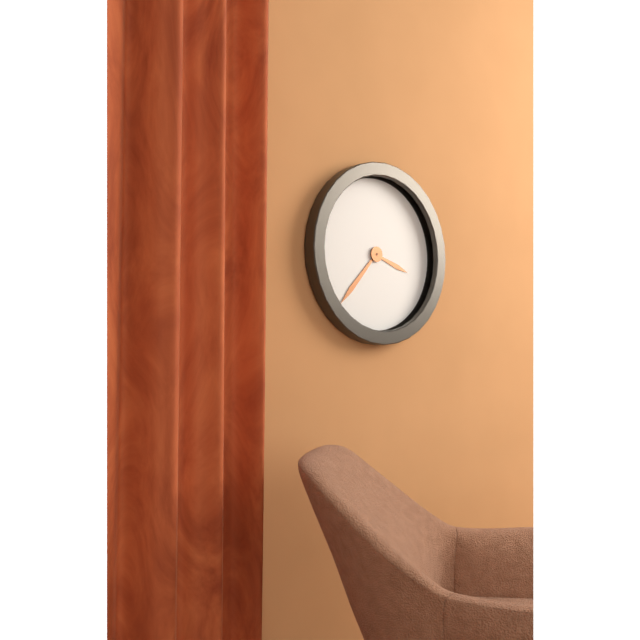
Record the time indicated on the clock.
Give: 3:37
